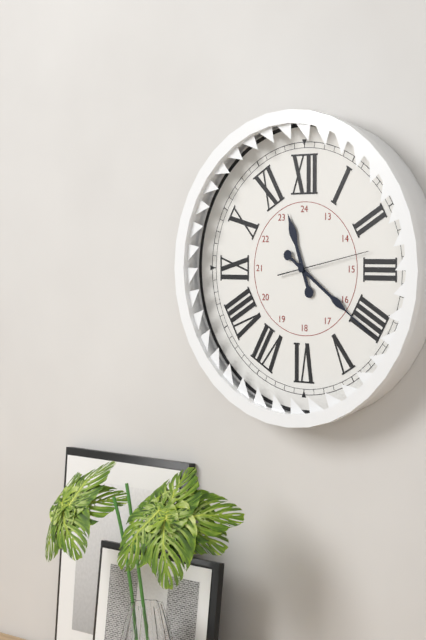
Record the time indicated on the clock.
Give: 11:21:13
